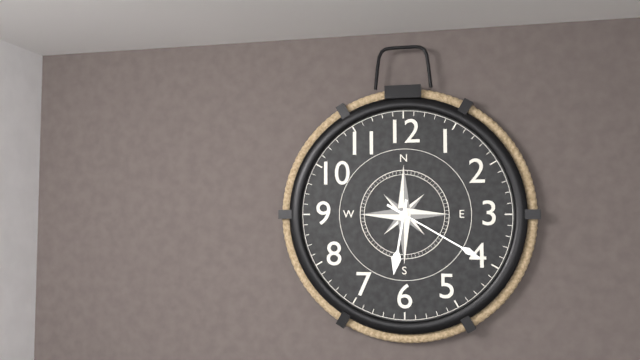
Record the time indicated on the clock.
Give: 6:20
